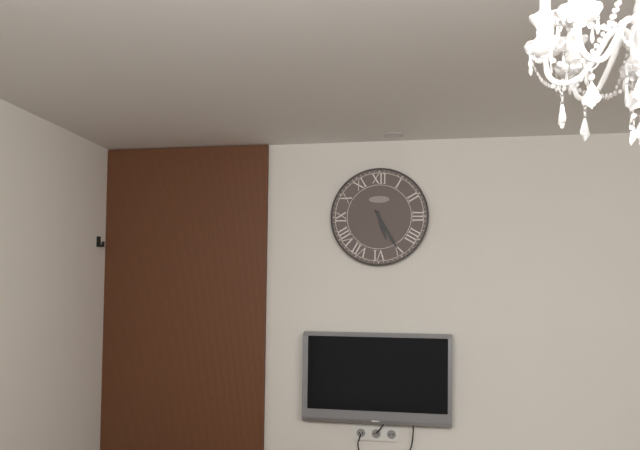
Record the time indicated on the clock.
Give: 5:25
